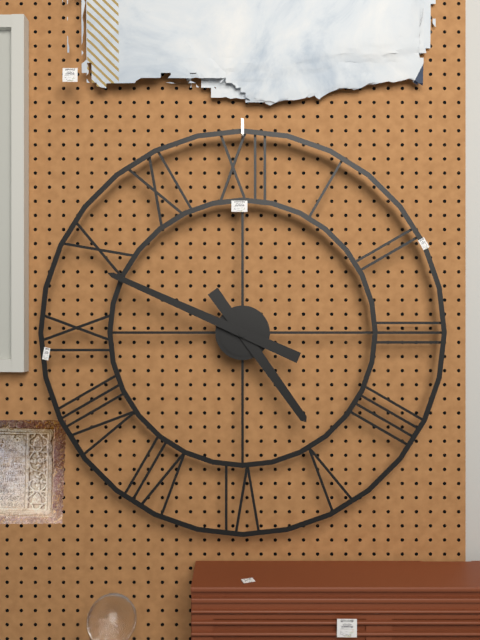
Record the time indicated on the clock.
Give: 4:49
